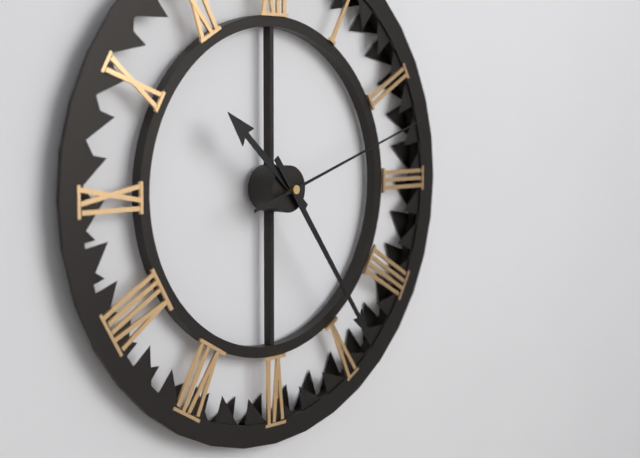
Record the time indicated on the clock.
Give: 10:24:12
